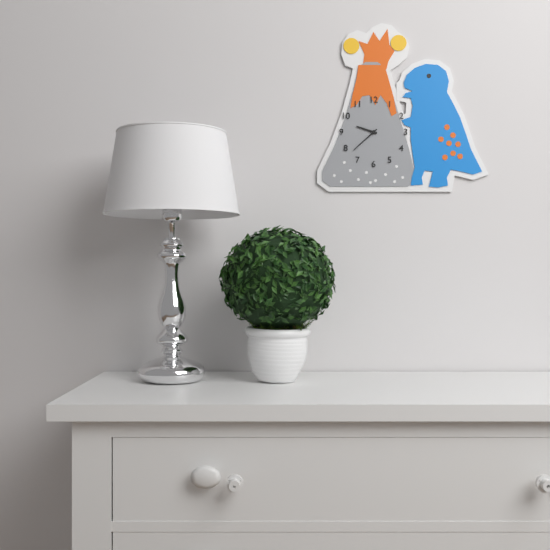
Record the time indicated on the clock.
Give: 9:38
